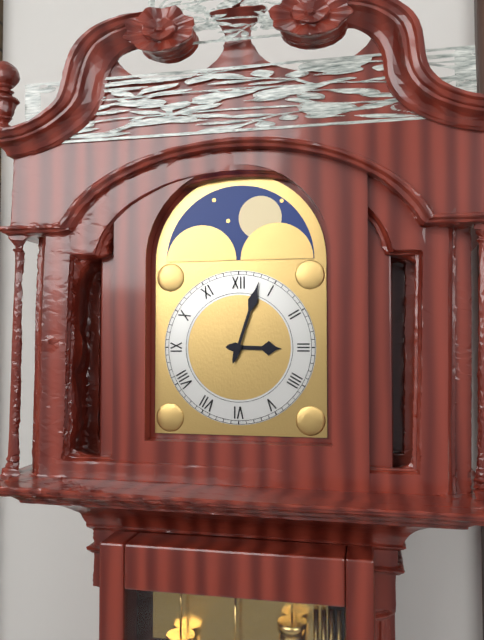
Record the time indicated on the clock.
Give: 3:03
